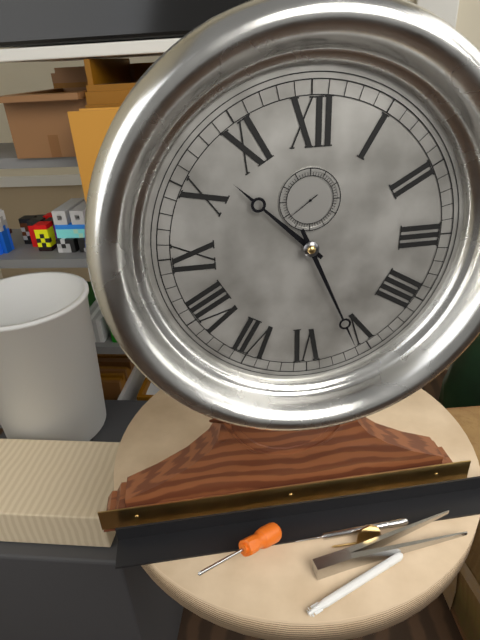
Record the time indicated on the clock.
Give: 10:26
